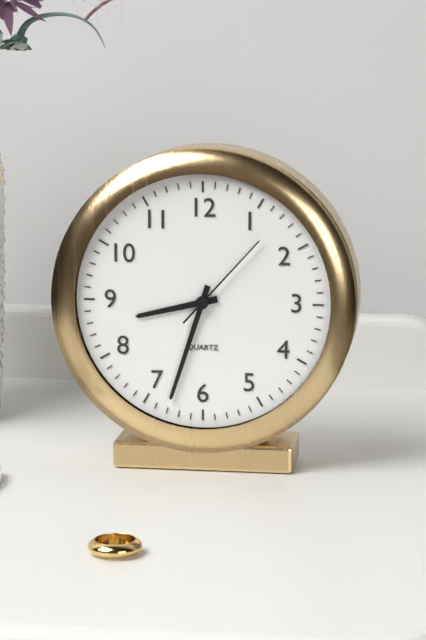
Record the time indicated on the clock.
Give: 8:33:07
